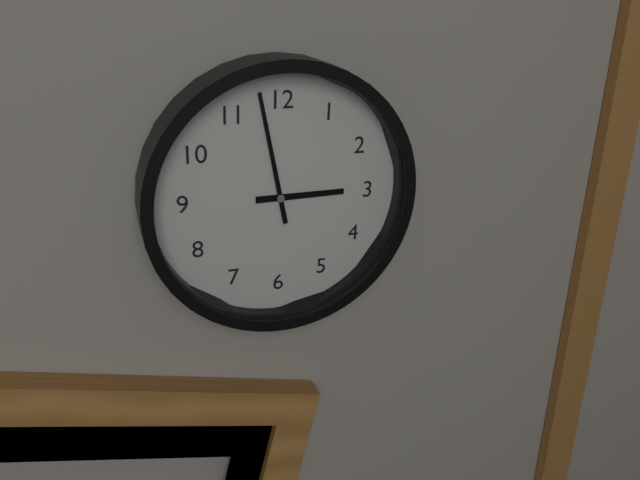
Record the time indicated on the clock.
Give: 2:58
